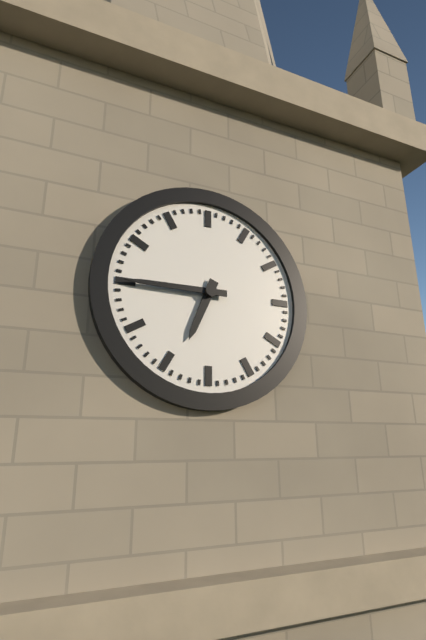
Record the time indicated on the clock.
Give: 6:45
